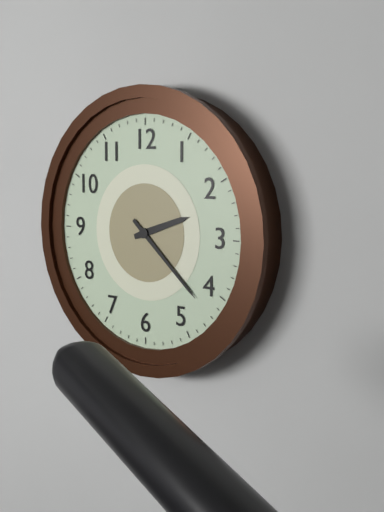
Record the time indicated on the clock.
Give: 2:22
